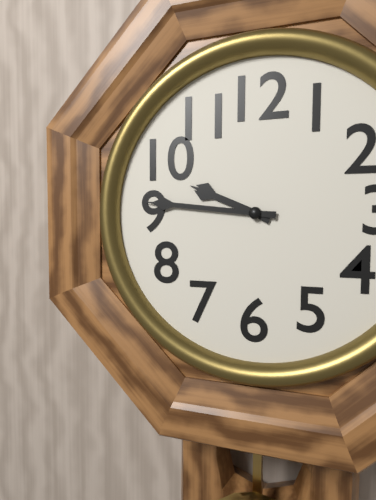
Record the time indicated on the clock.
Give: 9:46
